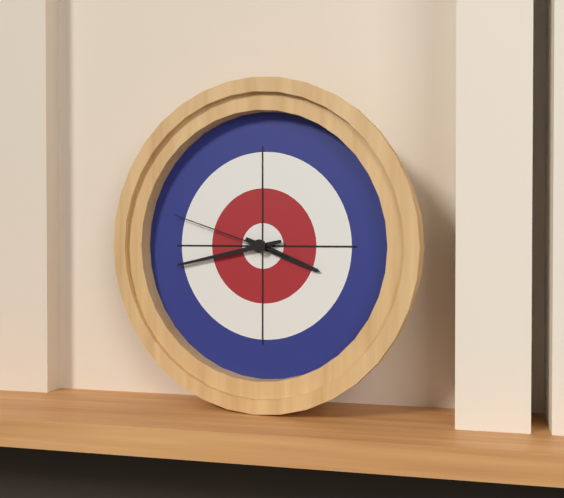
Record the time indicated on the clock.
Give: 3:43:48
